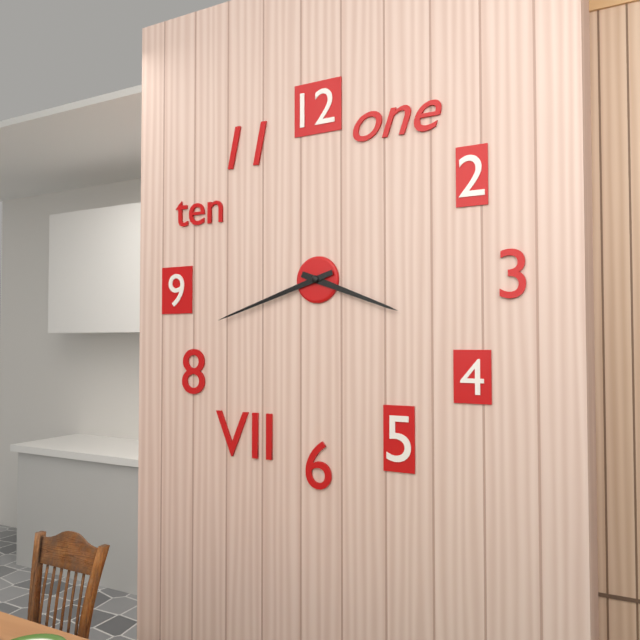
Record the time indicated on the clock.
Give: 3:42
